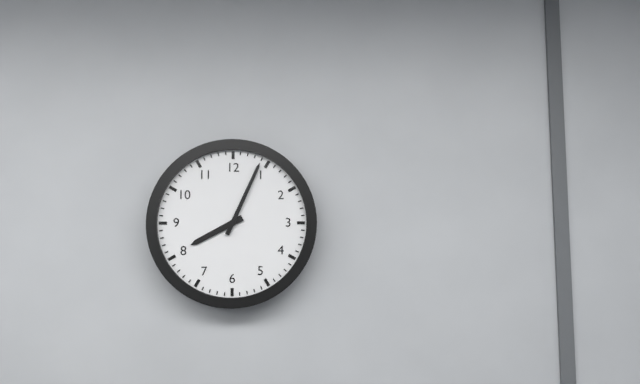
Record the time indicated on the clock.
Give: 8:04
